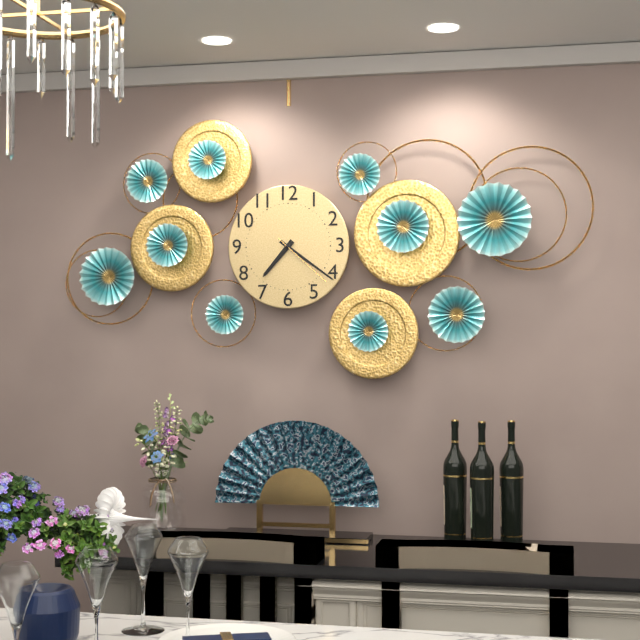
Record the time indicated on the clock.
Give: 7:21:22
